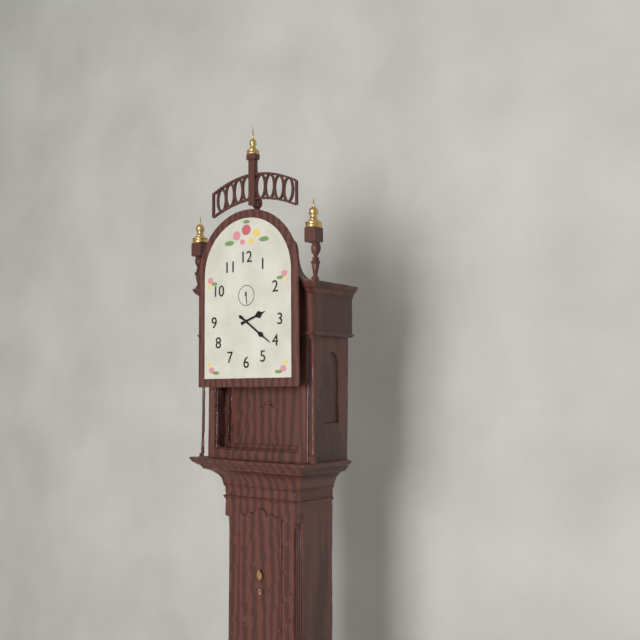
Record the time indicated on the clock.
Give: 2:21
